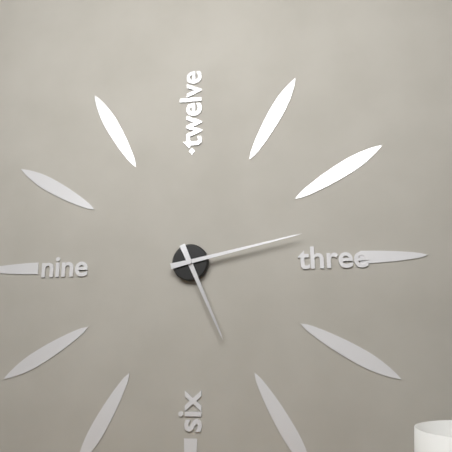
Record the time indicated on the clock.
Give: 5:13
